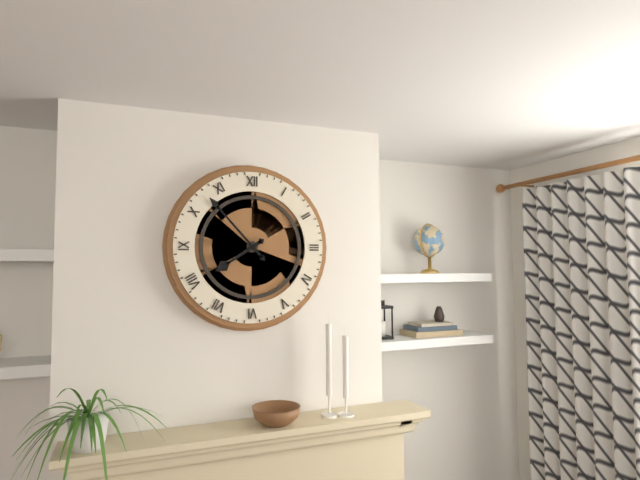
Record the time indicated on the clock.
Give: 7:53
